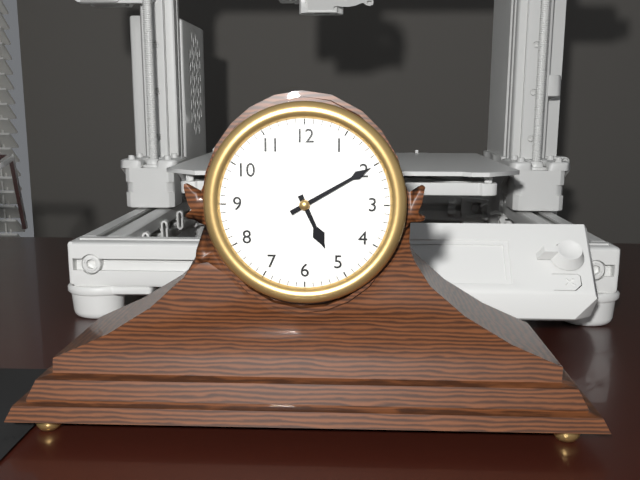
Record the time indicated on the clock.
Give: 5:10
